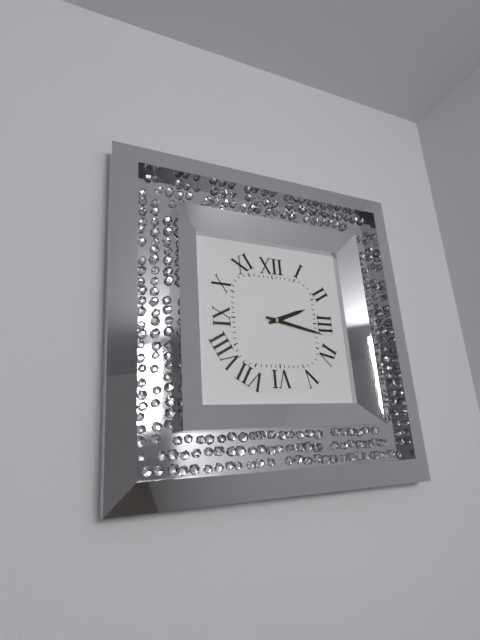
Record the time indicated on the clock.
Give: 2:17
